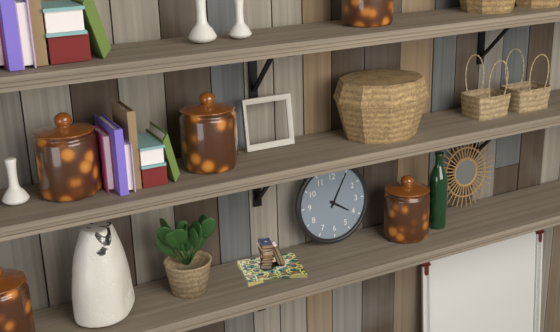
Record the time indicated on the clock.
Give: 4:05
